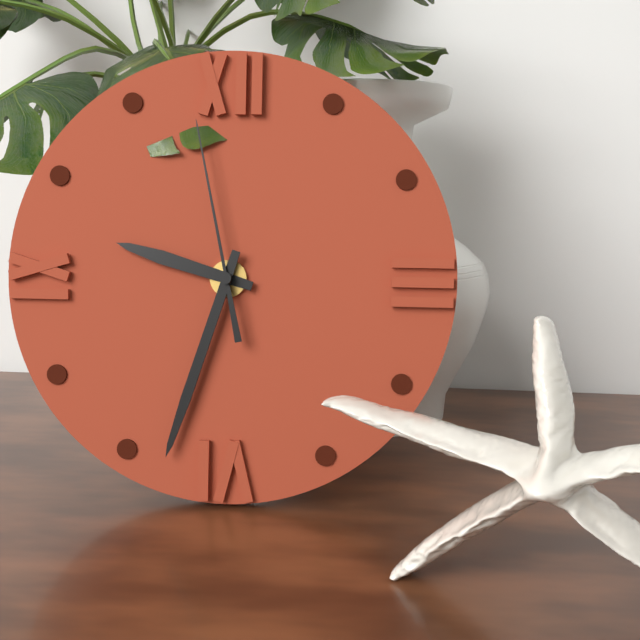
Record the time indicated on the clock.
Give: 9:33:58
